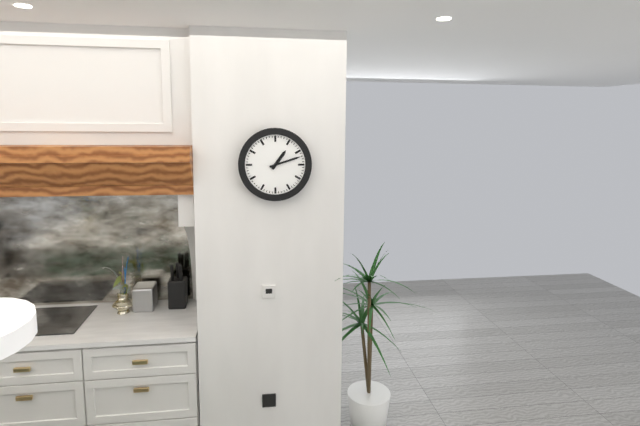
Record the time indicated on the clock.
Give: 1:12
